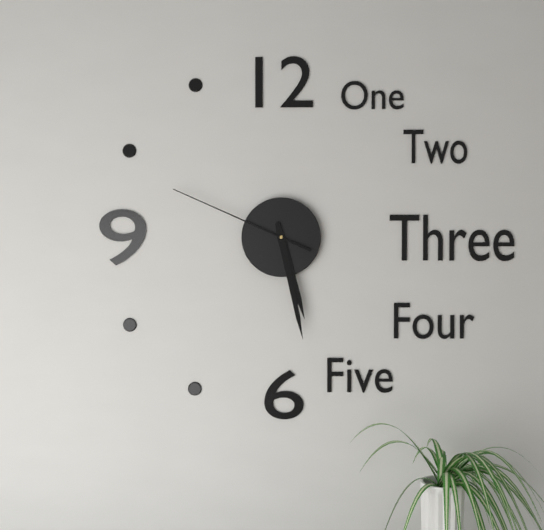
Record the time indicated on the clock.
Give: 5:28:49
